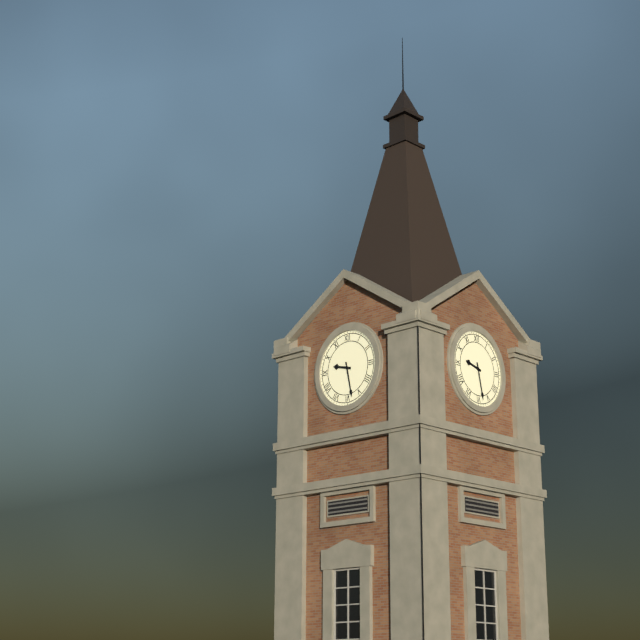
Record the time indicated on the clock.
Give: 9:28
